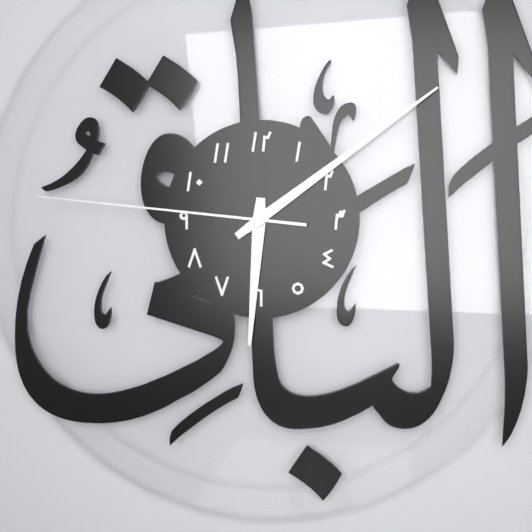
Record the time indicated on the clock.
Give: 6:09:46
